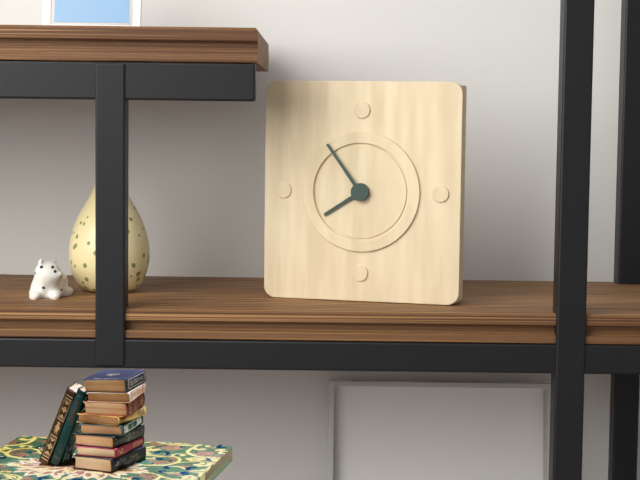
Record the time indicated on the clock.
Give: 7:54
